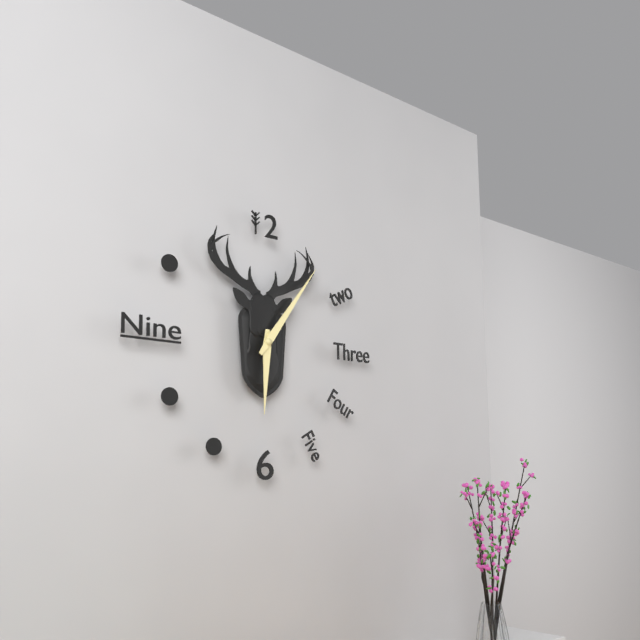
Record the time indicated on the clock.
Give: 6:06
